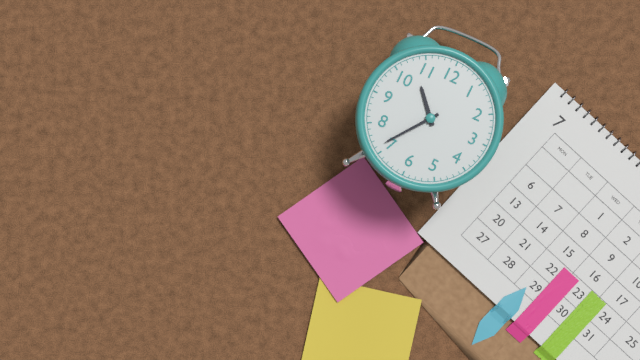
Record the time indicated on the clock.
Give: 10:36
